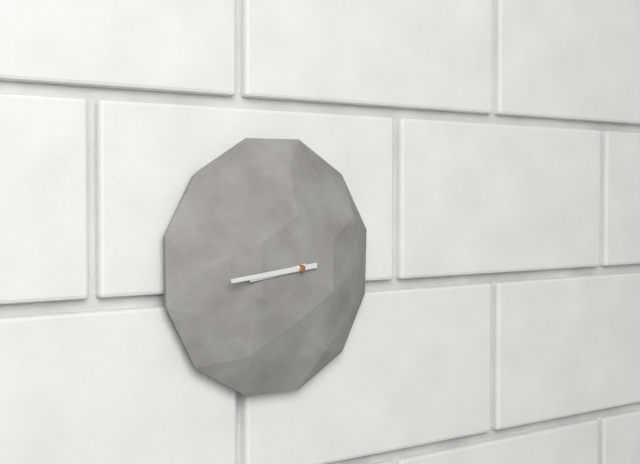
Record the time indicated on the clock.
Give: 8:44
